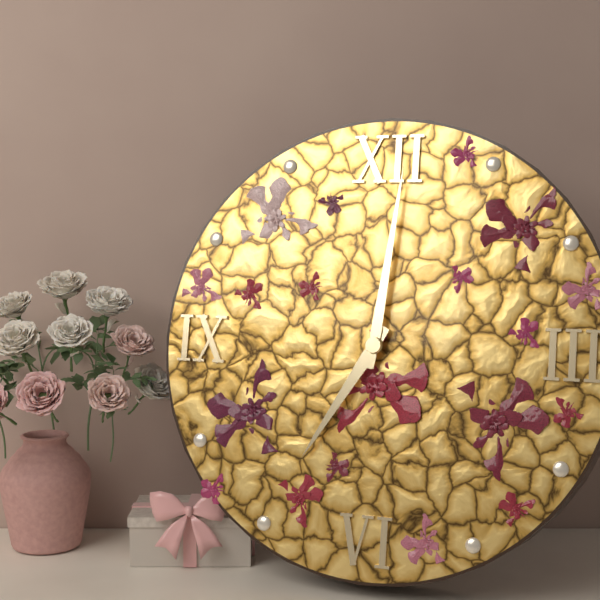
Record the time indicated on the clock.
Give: 7:01
